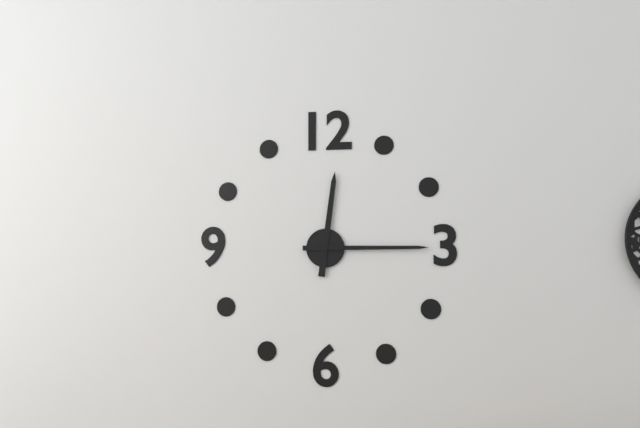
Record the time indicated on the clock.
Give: 12:15
